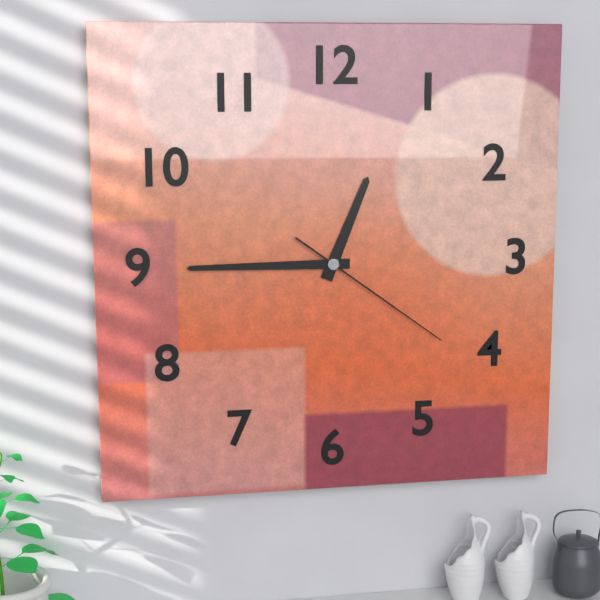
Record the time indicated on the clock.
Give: 12:45:21
